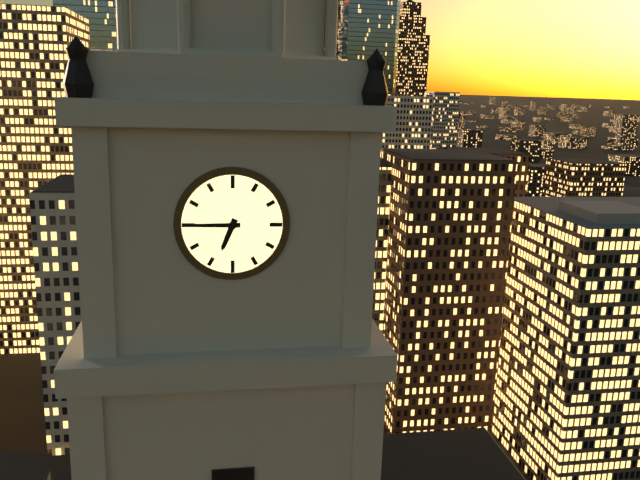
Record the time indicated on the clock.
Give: 6:45
